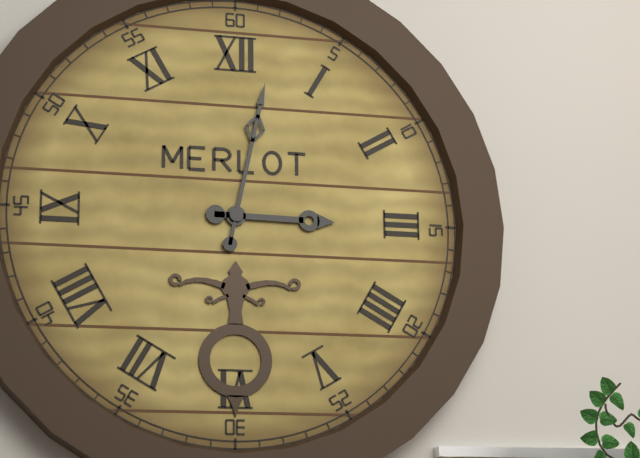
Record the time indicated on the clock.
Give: 3:02
